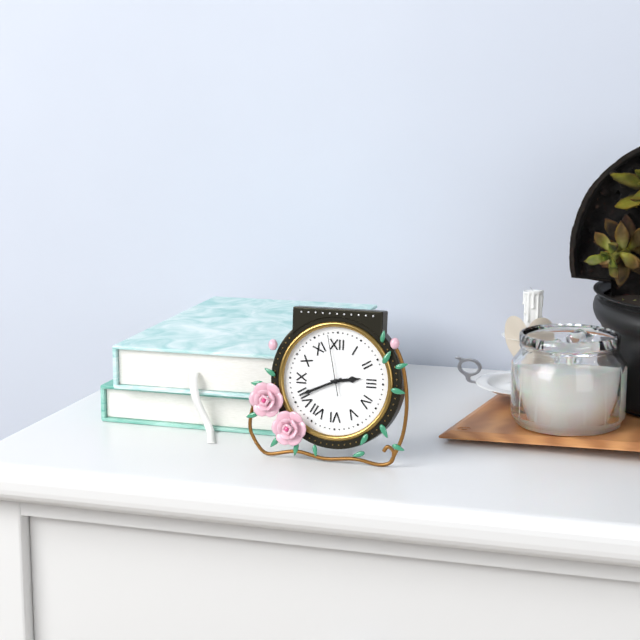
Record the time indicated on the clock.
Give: 2:41:58
